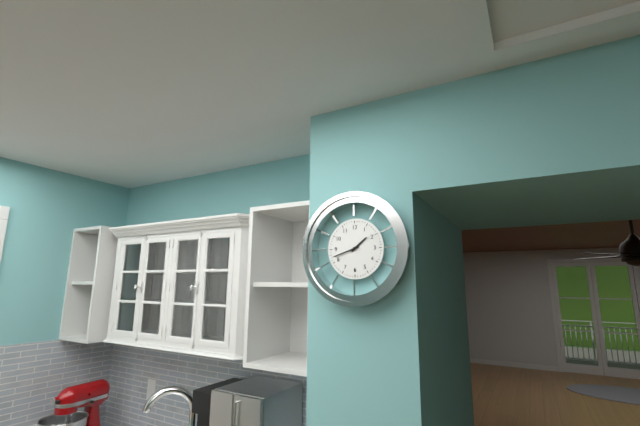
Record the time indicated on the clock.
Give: 1:42
